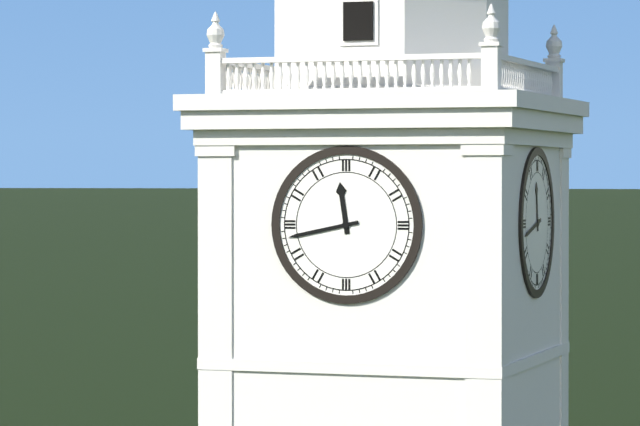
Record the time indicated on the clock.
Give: 11:43
